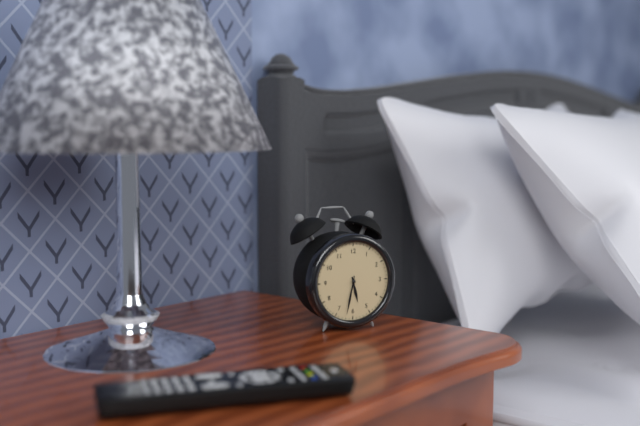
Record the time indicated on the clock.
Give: 5:32
